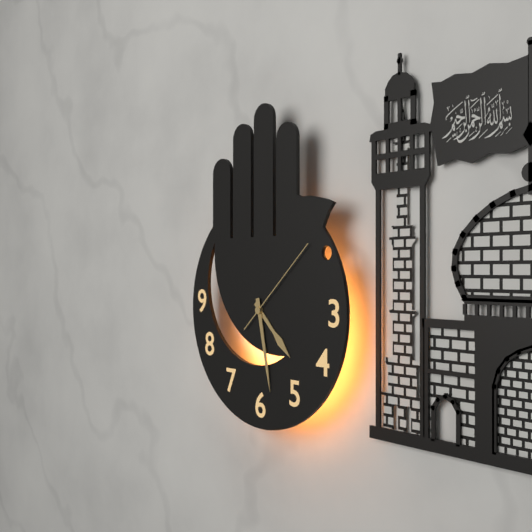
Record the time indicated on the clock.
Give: 4:28:08
